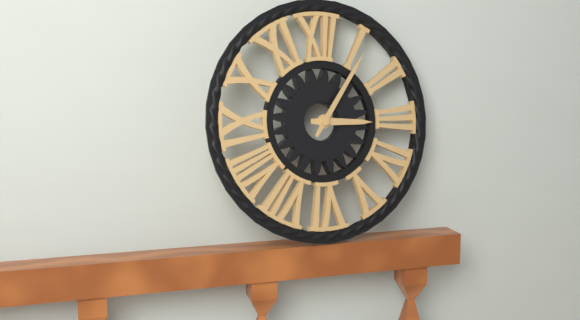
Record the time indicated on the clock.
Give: 3:06
